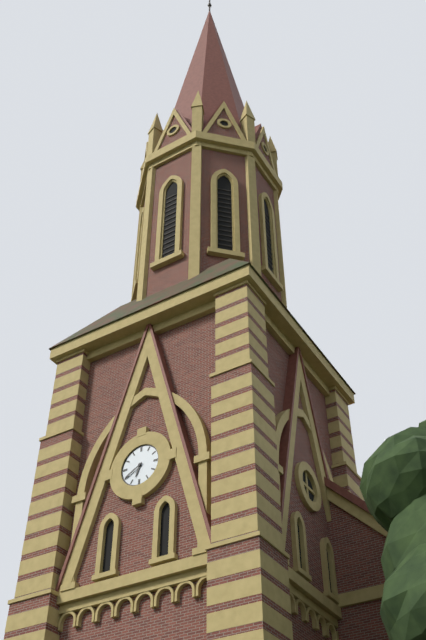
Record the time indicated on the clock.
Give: 6:40
